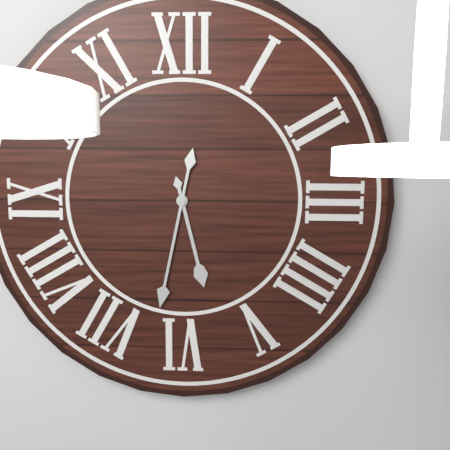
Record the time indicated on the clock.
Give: 5:32
